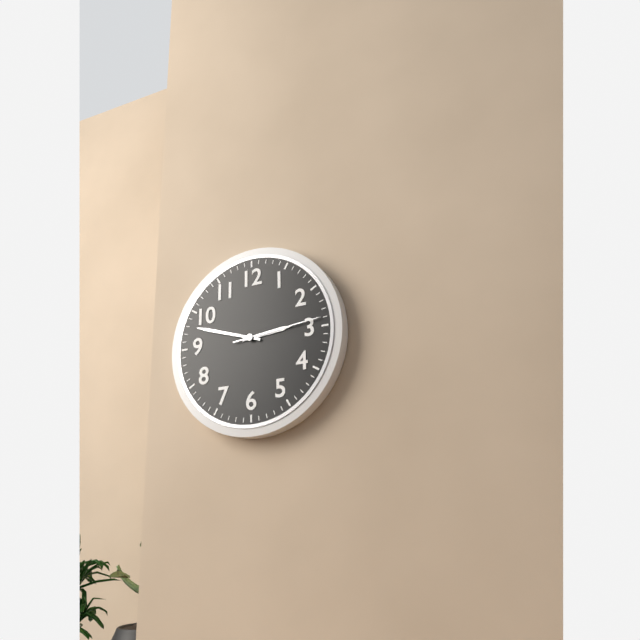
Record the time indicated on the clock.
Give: 2:48:14
